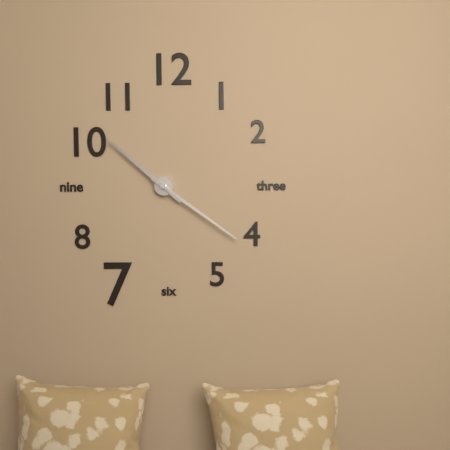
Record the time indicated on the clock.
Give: 10:21
